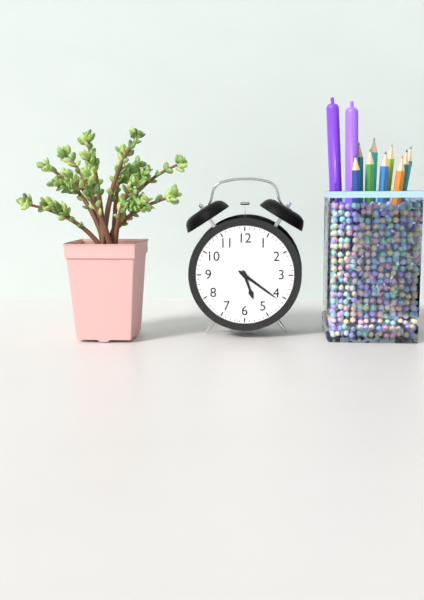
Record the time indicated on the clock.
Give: 5:21
